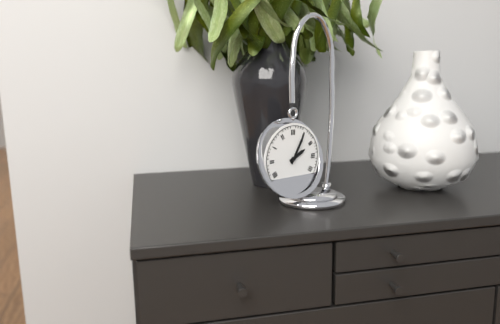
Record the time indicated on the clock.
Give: 2:05
